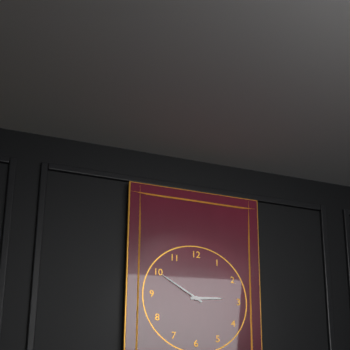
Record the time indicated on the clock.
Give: 2:50
